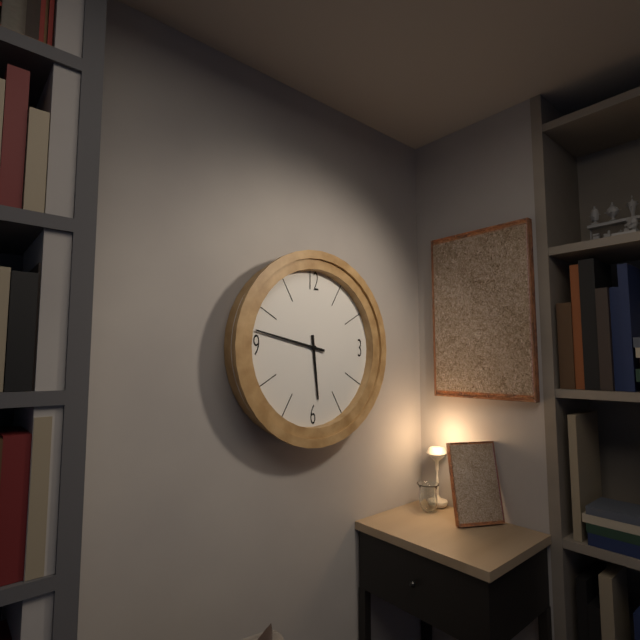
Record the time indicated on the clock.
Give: 5:47
